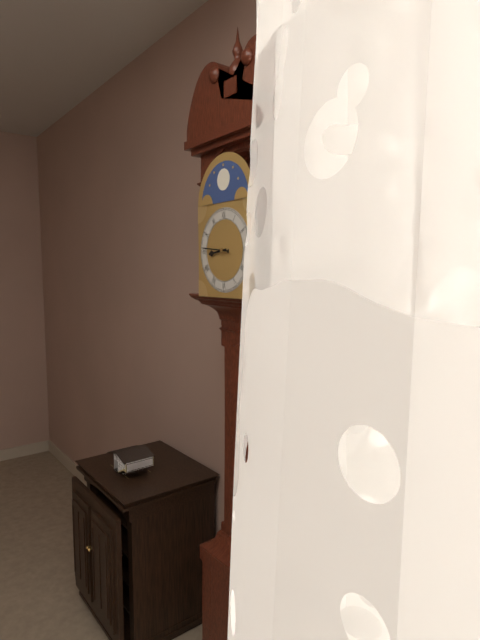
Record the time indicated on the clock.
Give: 8:46
